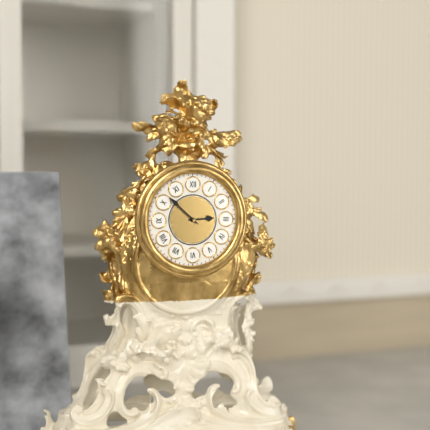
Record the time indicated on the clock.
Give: 2:52
